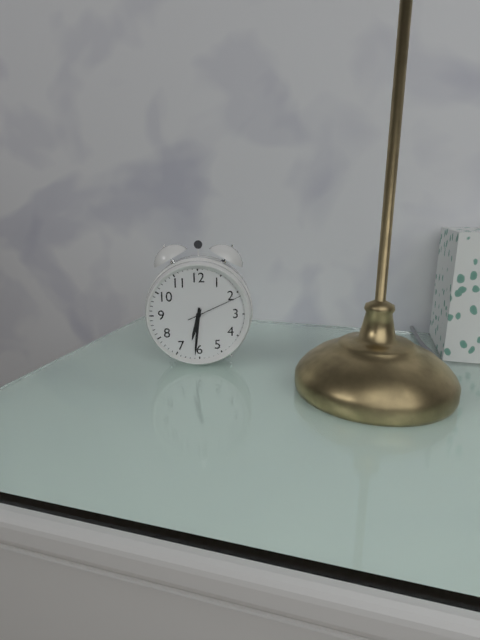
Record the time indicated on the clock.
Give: 6:31:11
